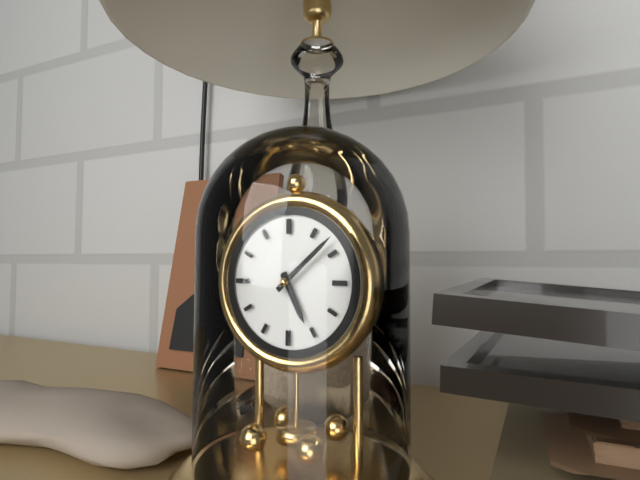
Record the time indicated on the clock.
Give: 5:08
